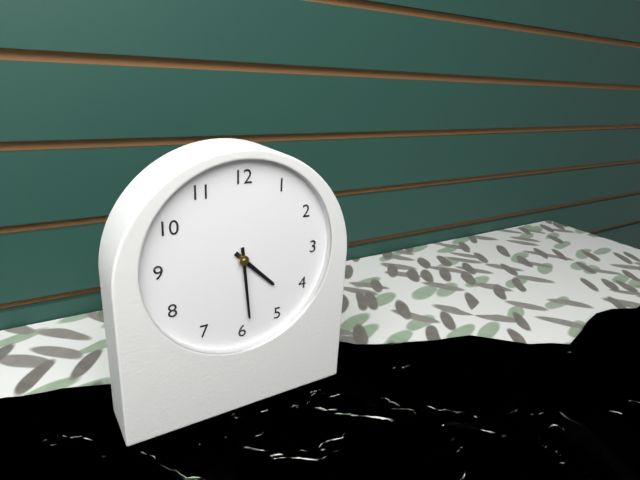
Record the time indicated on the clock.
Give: 4:29
